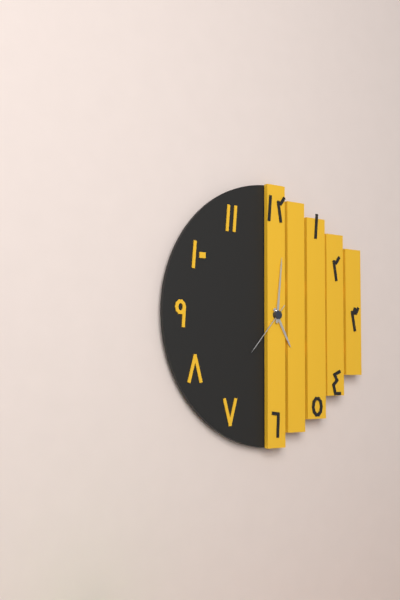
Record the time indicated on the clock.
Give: 5:01
